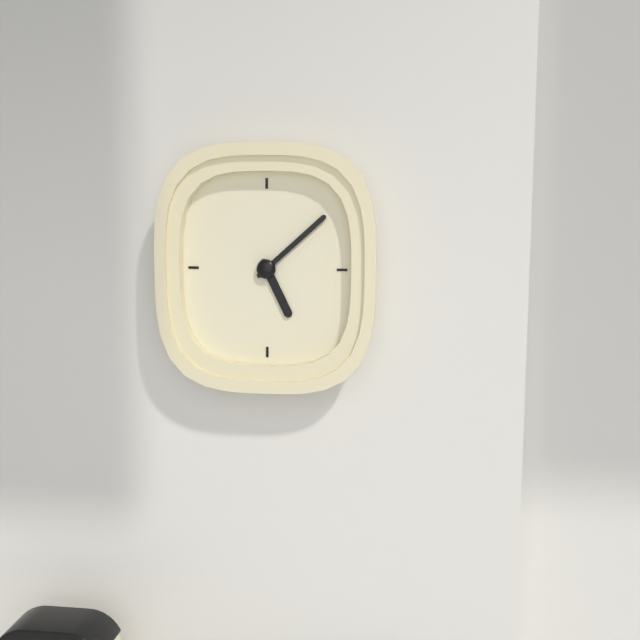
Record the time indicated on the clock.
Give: 5:08
